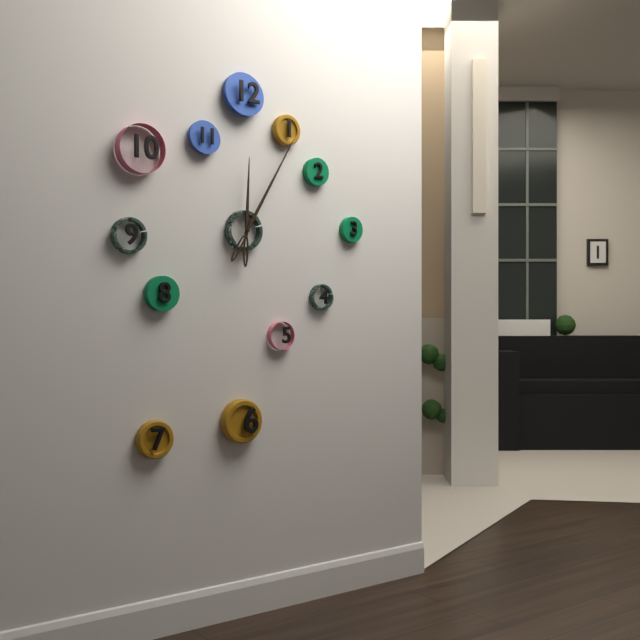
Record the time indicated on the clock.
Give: 12:05
